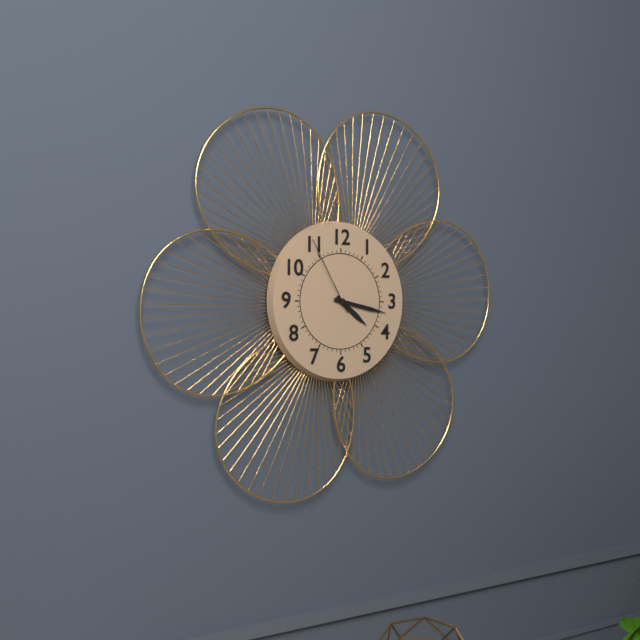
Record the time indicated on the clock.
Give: 4:17:55
